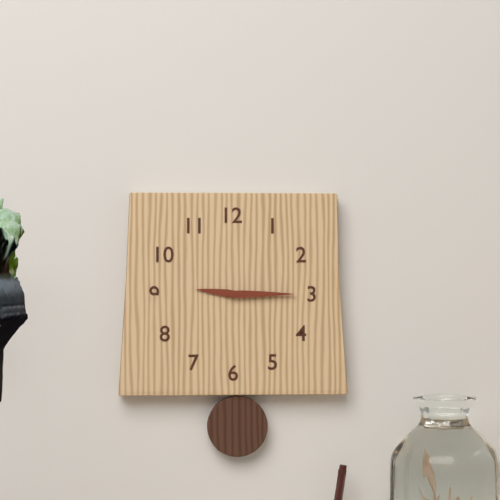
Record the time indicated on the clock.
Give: 9:15
